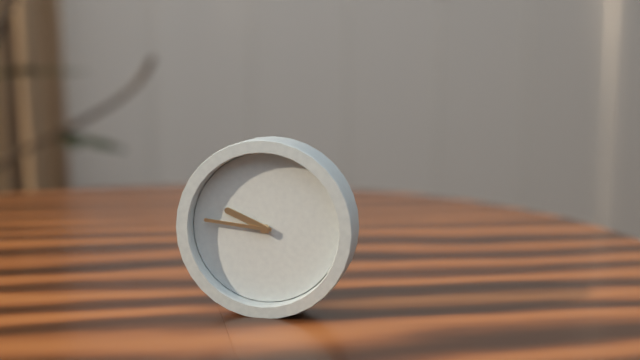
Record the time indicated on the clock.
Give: 9:46
